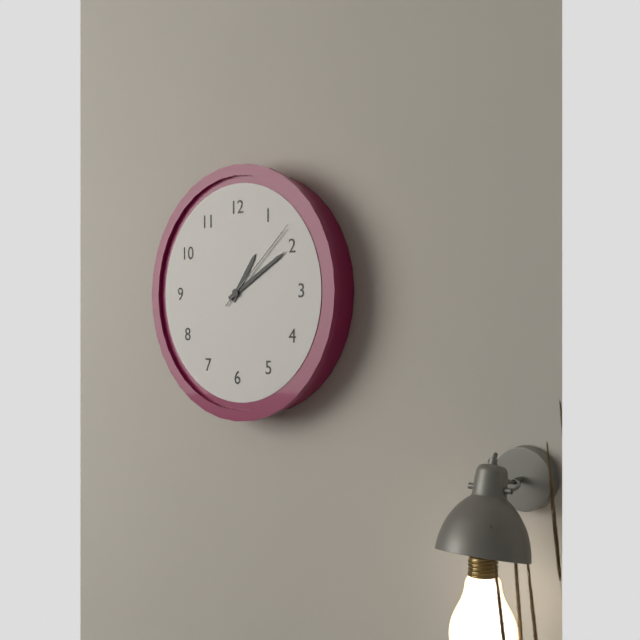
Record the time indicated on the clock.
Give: 1:10:08
